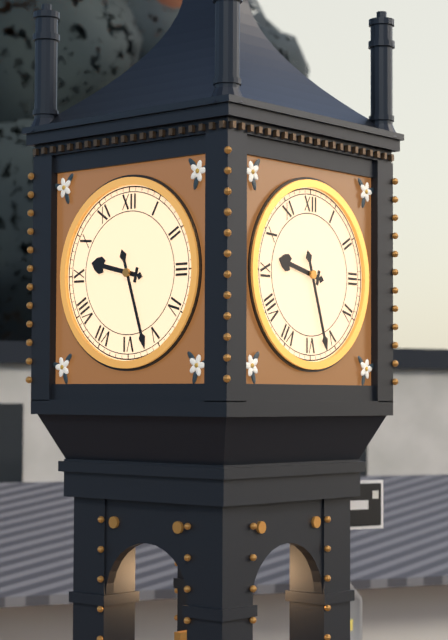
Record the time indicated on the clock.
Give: 9:27
